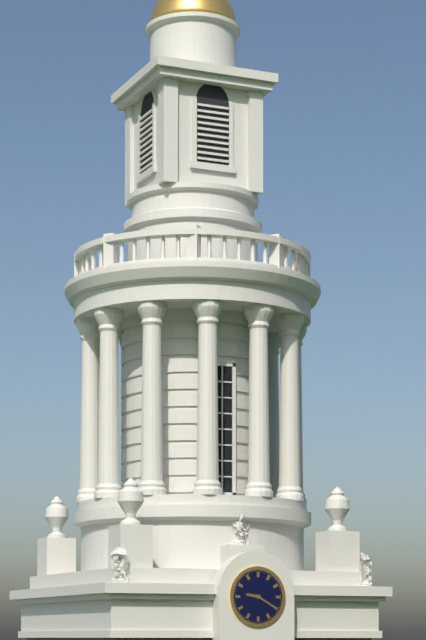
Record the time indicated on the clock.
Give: 9:20
